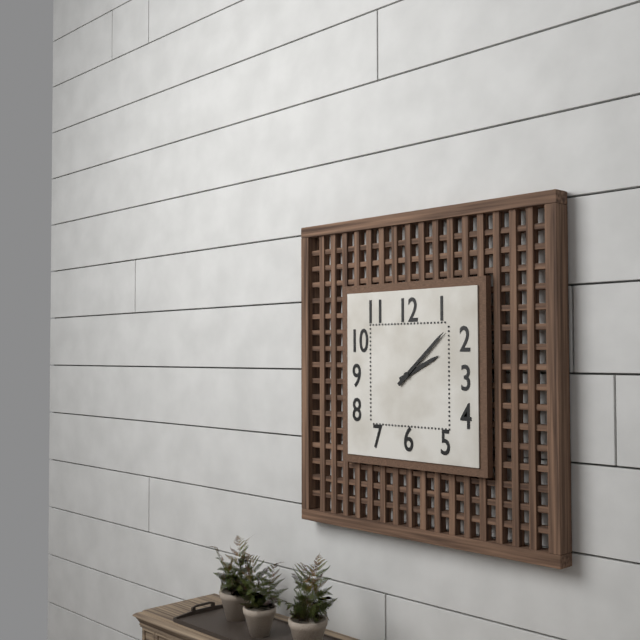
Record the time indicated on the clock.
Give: 2:08
